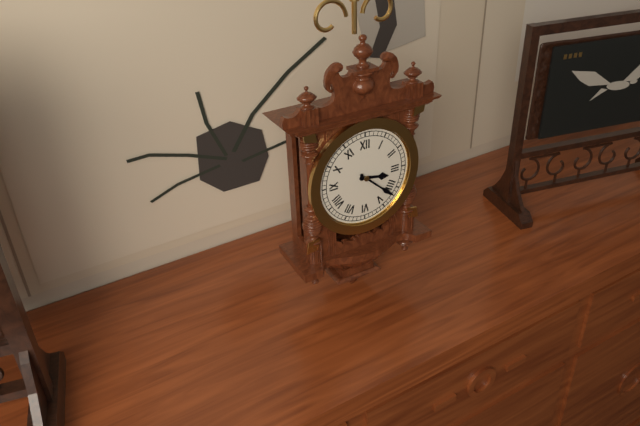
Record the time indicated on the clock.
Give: 3:22
